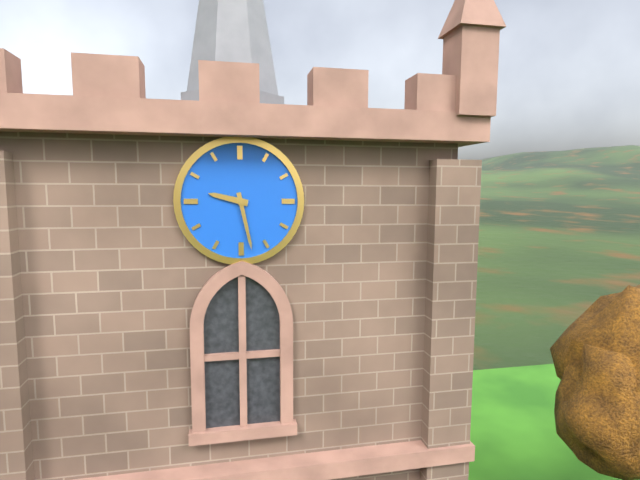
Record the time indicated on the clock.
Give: 9:28
